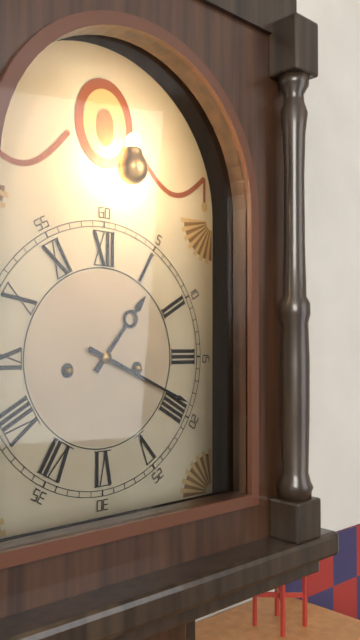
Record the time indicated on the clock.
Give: 1:19
